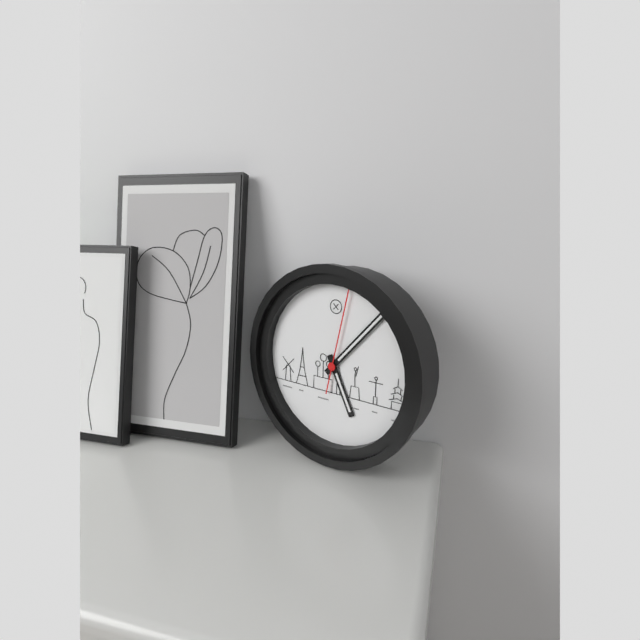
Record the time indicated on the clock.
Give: 5:07:02
